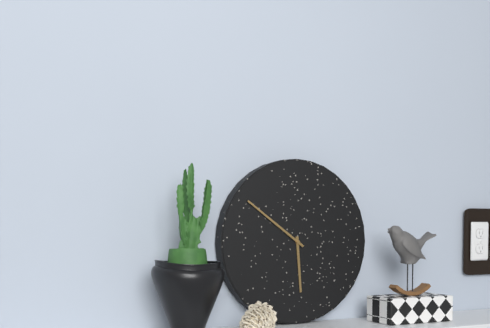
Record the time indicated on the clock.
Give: 5:51
